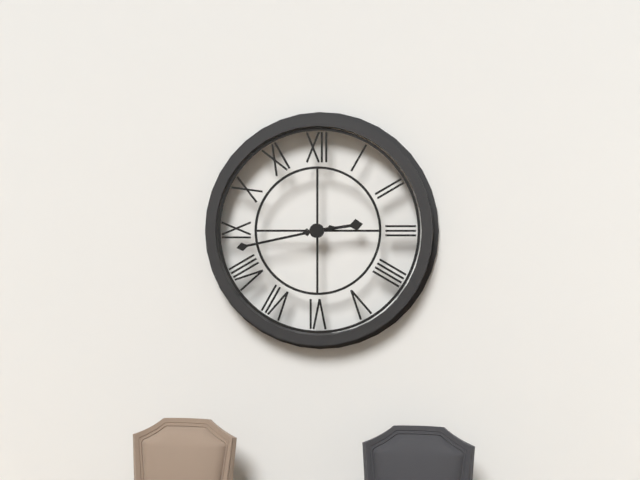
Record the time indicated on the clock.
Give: 2:43
